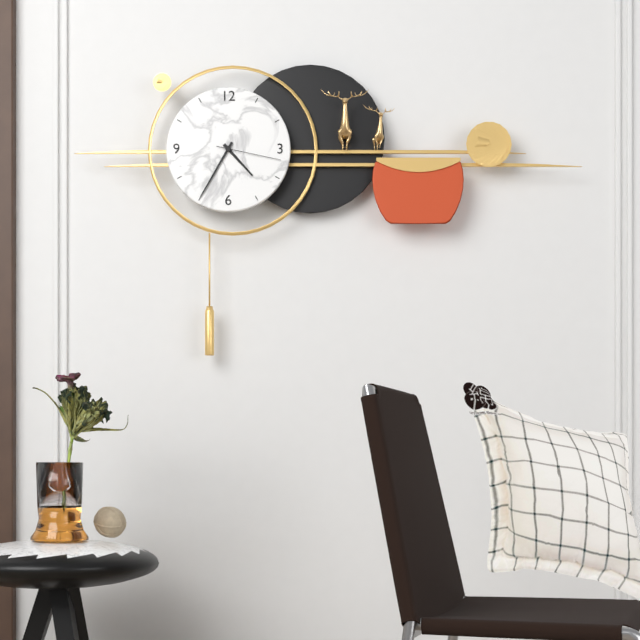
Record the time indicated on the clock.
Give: 4:35:17
